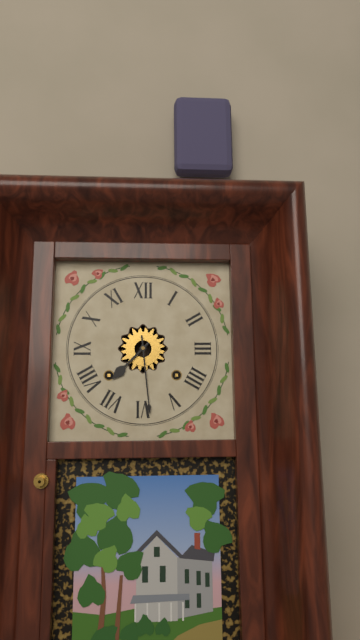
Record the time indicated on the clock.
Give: 7:29
